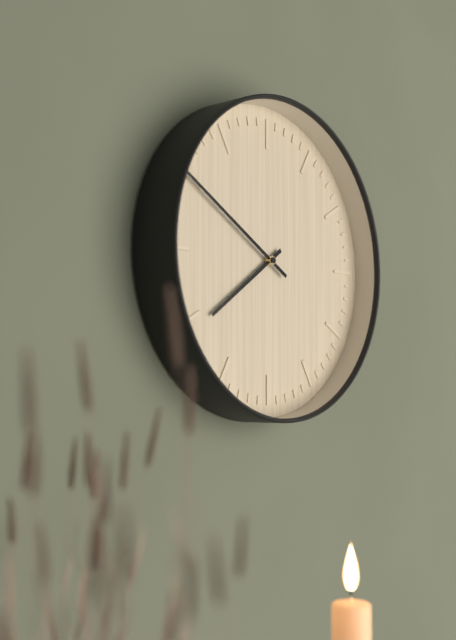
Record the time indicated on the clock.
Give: 7:50
